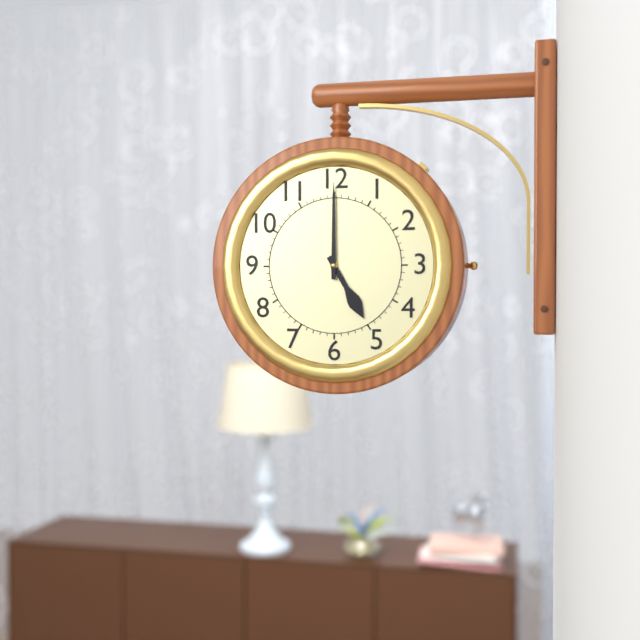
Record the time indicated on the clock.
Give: 5:00
